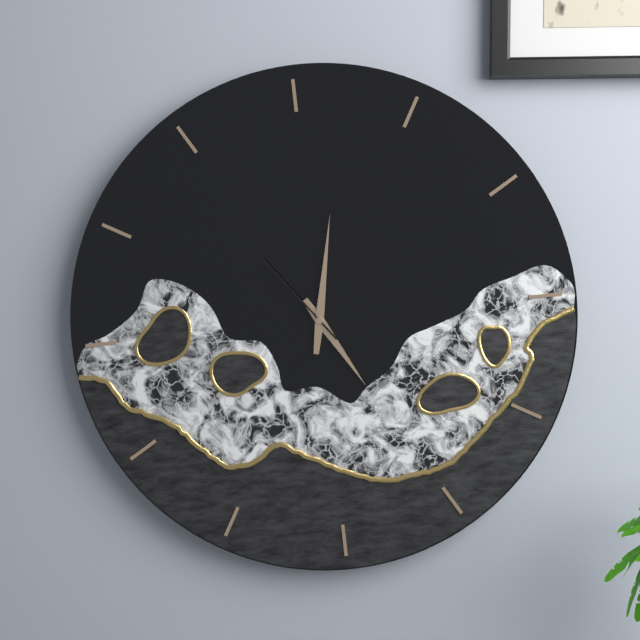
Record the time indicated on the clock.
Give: 5:02:54
